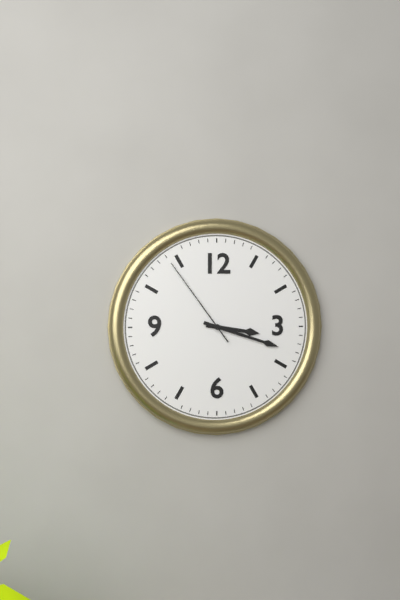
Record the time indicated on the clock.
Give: 3:18:54
